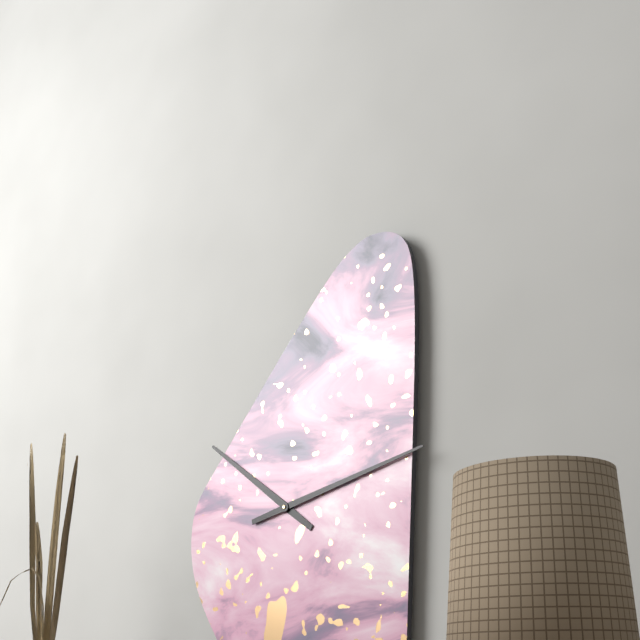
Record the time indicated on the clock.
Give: 10:13
